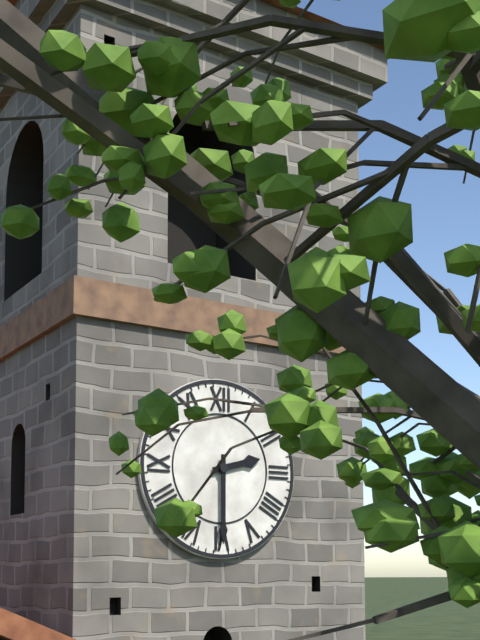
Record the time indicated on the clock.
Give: 2:30
